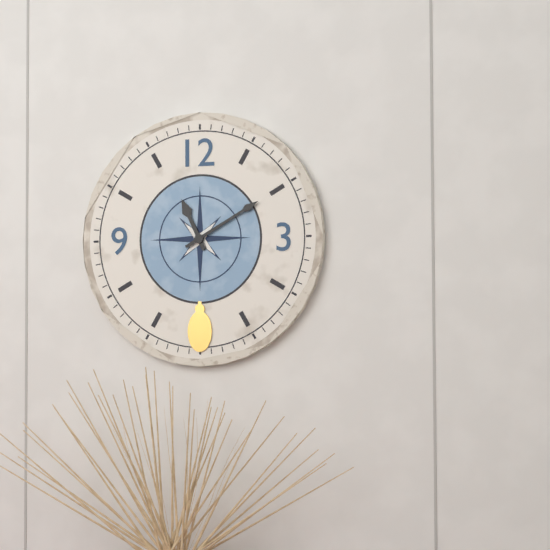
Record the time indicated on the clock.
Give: 11:10
